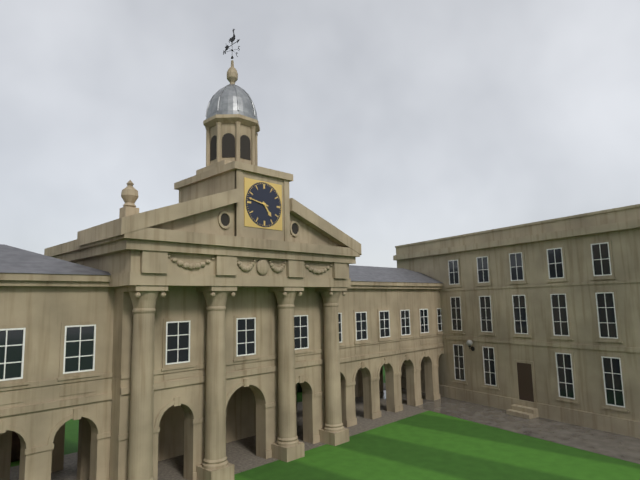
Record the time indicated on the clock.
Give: 4:47
